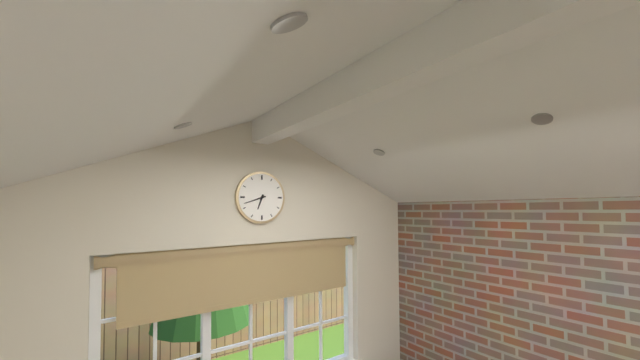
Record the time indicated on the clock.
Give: 6:42
